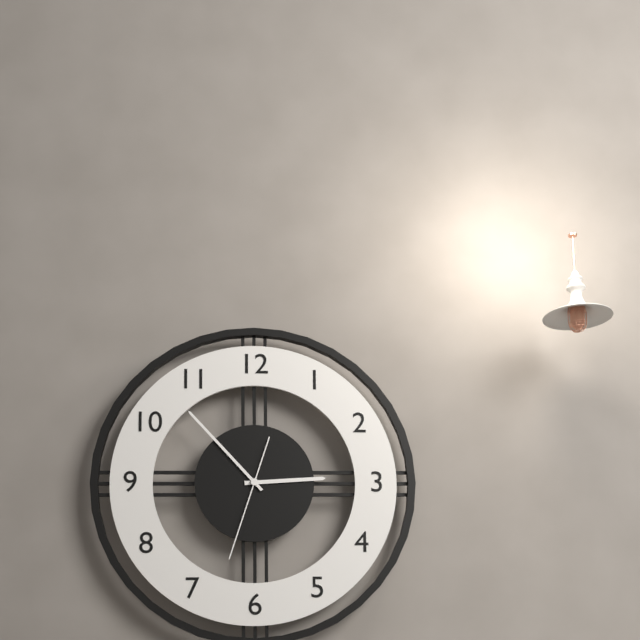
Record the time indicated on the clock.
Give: 2:53:33
